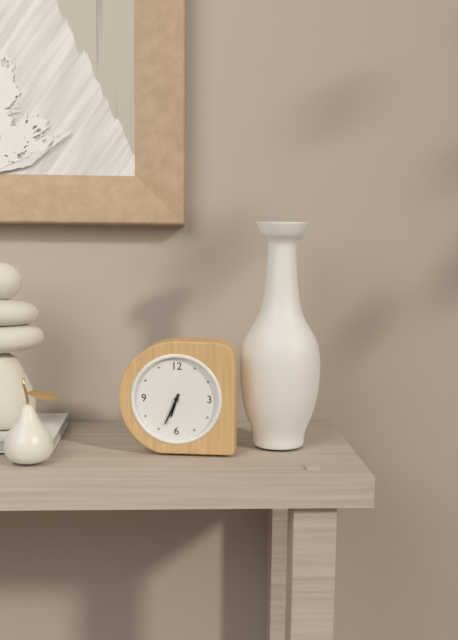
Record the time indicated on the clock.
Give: 6:34
